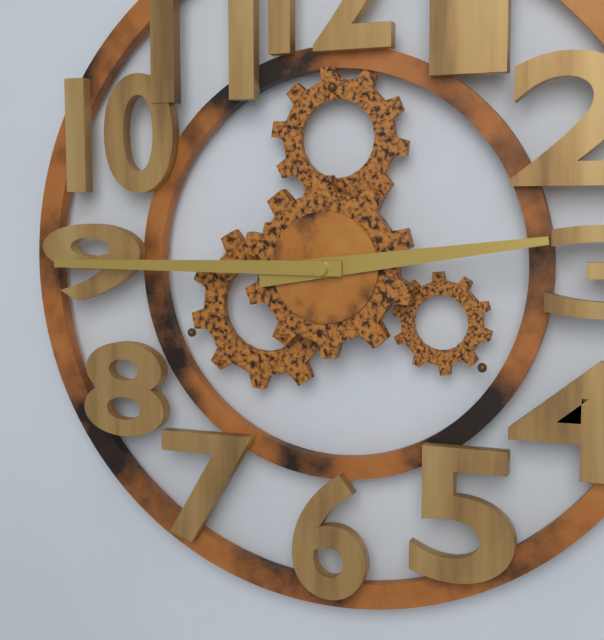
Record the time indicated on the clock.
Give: 2:45
